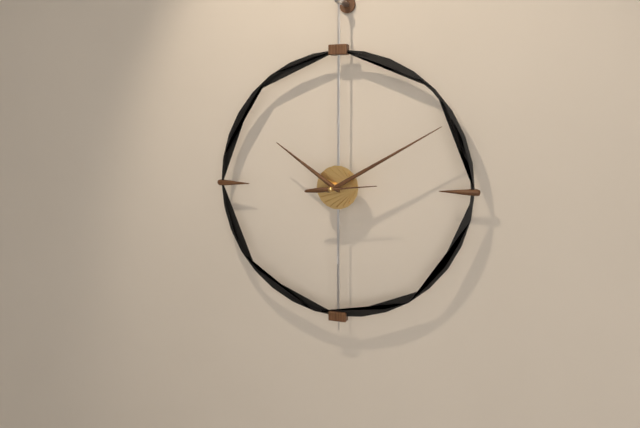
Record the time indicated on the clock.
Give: 10:10:14
